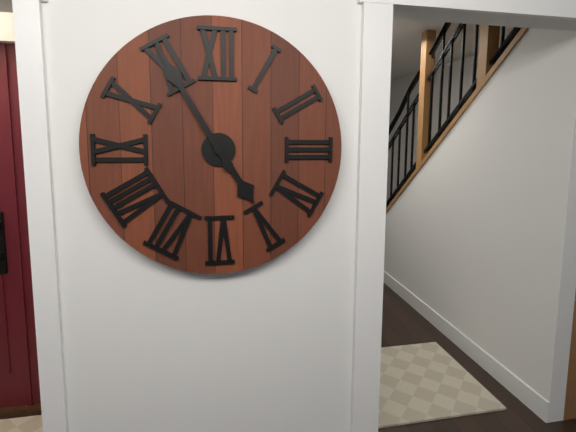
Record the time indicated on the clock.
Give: 4:55
